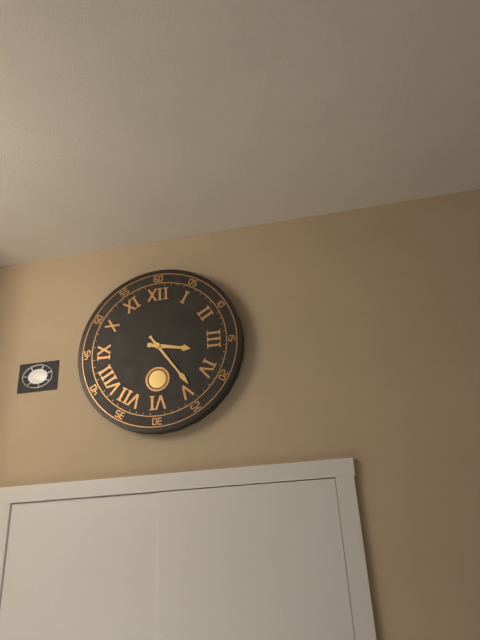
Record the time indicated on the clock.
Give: 3:24
